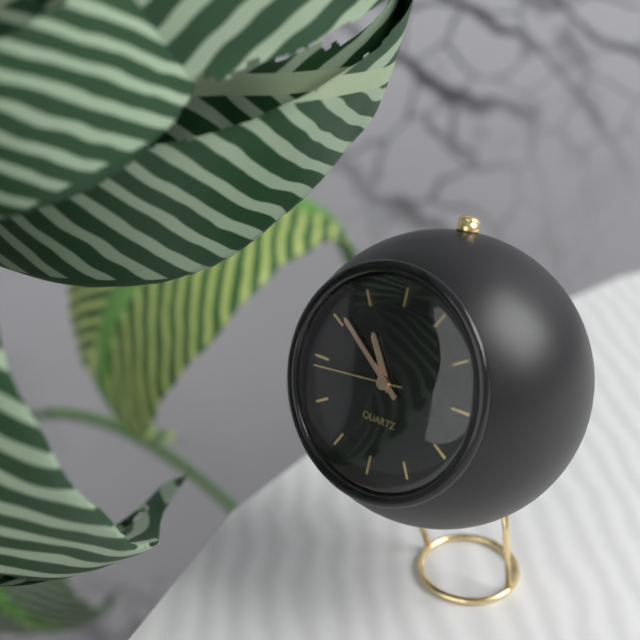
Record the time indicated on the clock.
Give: 10:51:44
